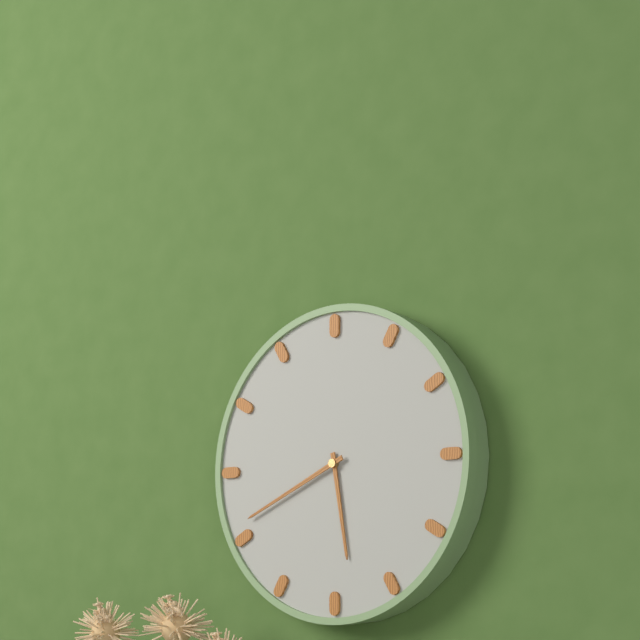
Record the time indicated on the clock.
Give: 5:41
